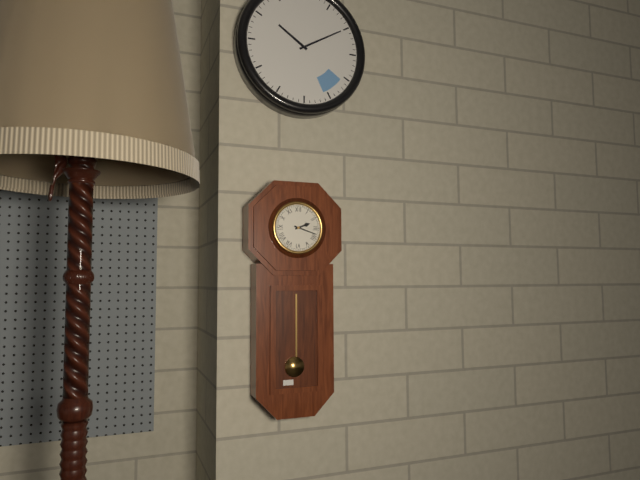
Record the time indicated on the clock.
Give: 2:18
